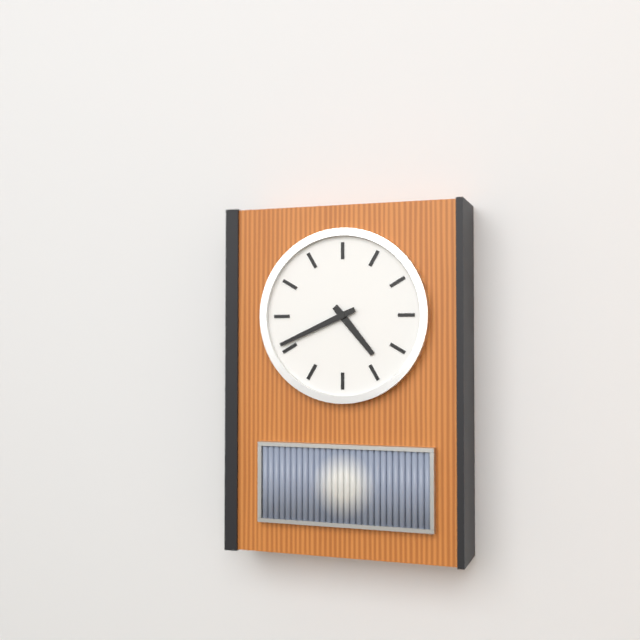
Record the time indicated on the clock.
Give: 4:41
